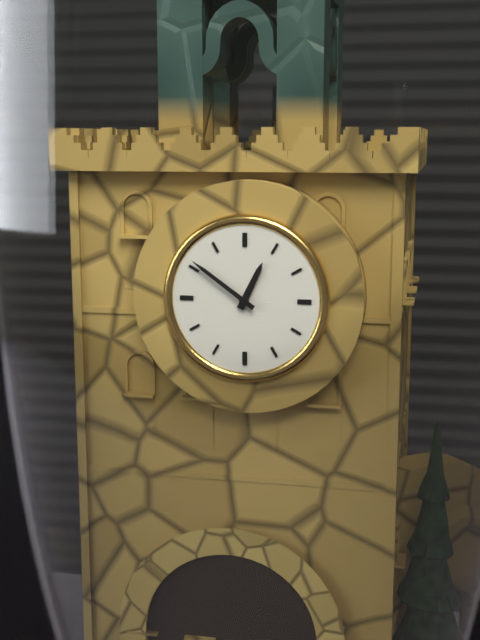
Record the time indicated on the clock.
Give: 12:51
